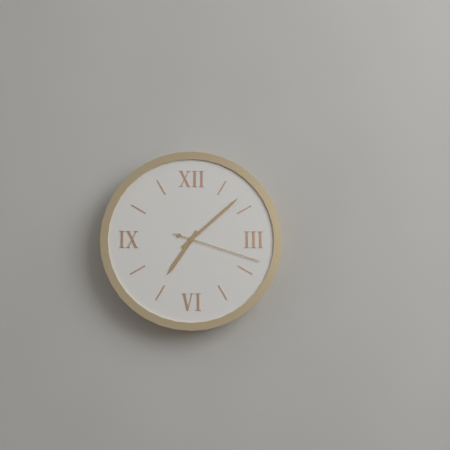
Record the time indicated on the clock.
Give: 7:08:18
